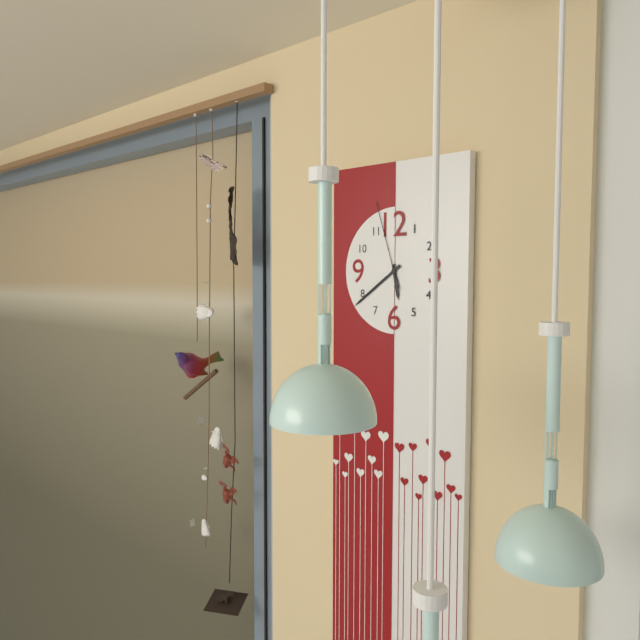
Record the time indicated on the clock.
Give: 5:39:57
